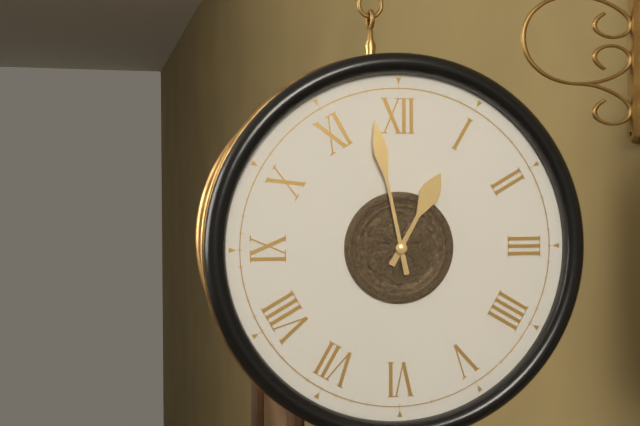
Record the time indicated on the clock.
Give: 12:58
